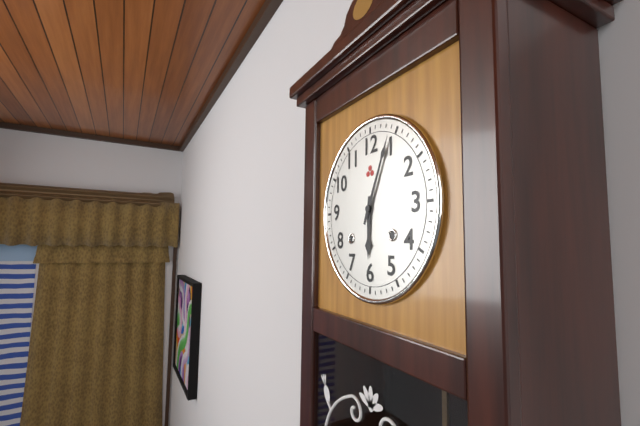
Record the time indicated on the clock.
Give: 6:04
